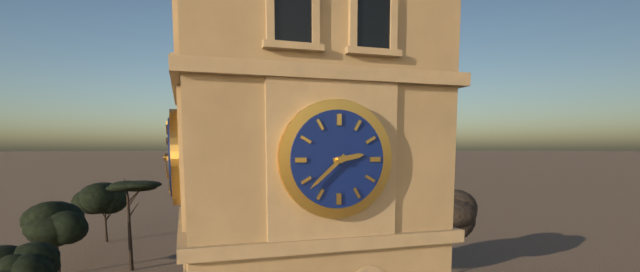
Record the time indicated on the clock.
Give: 2:38
